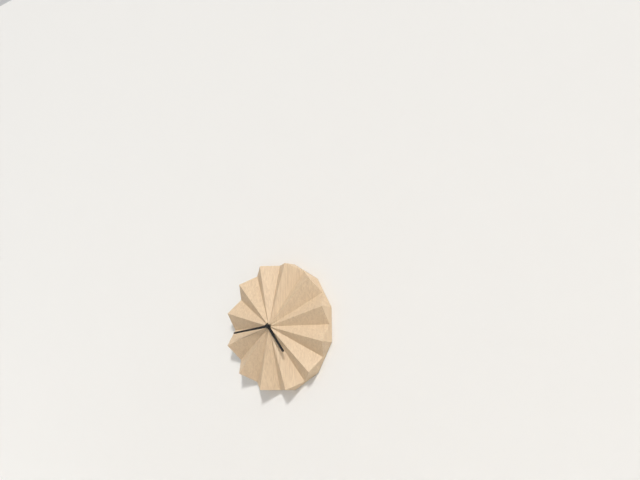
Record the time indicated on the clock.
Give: 4:44
